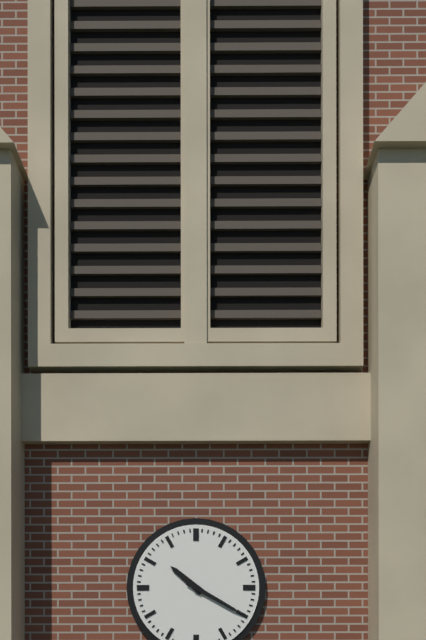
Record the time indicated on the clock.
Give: 10:20
